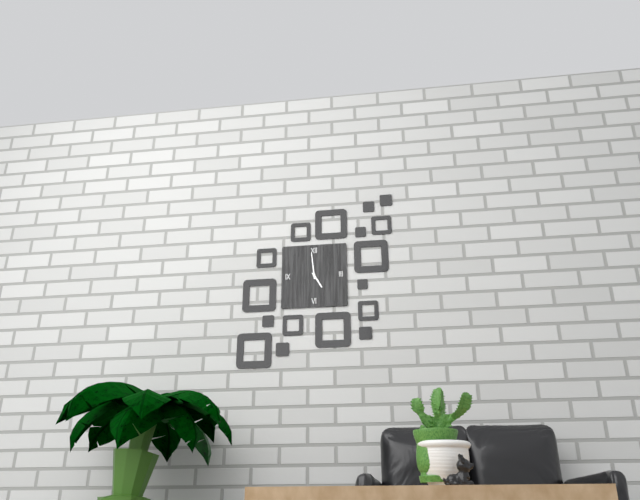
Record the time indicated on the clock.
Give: 4:59
